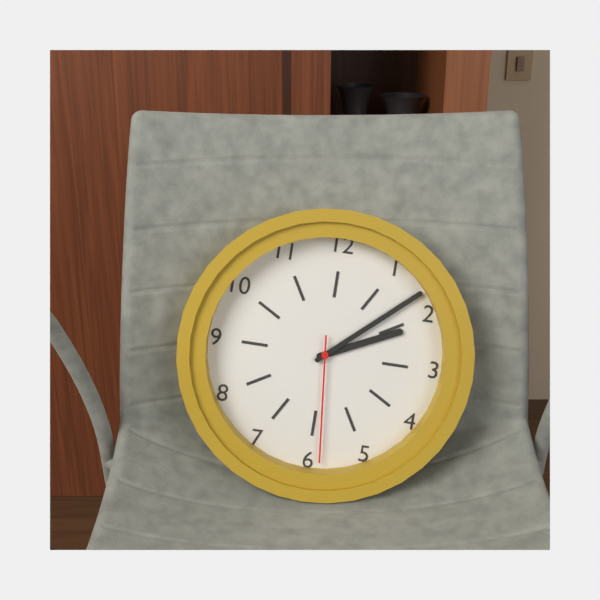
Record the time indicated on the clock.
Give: 2:08:29
